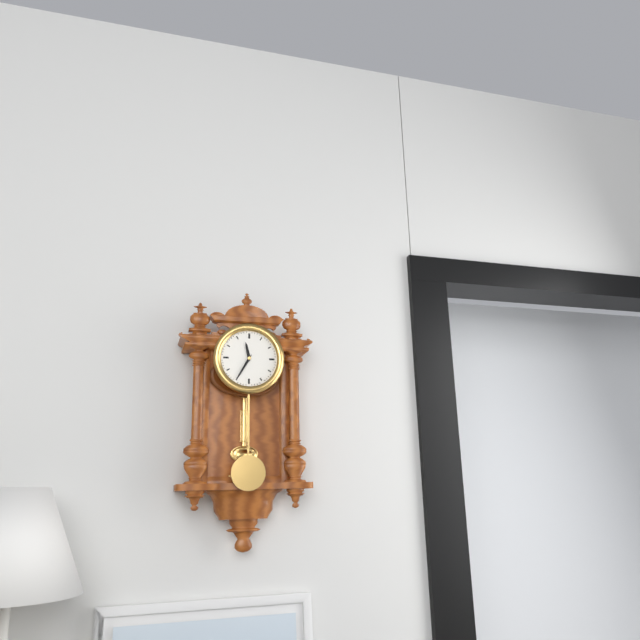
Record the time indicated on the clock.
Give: 11:35
